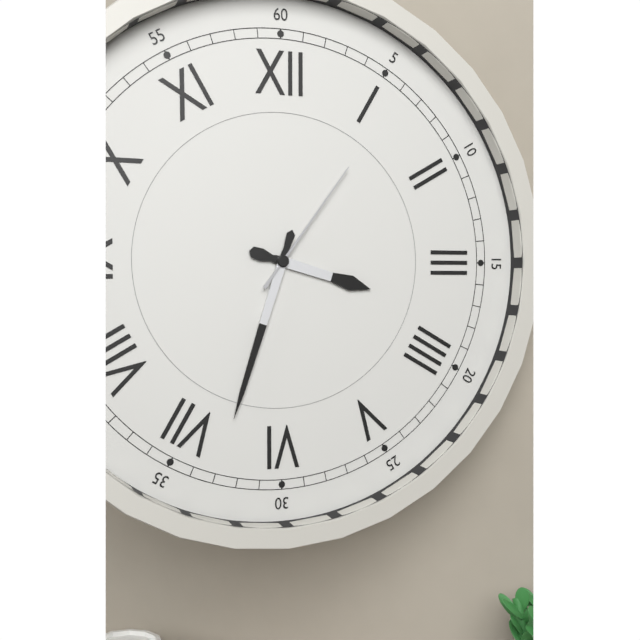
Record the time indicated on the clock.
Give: 3:33:06
